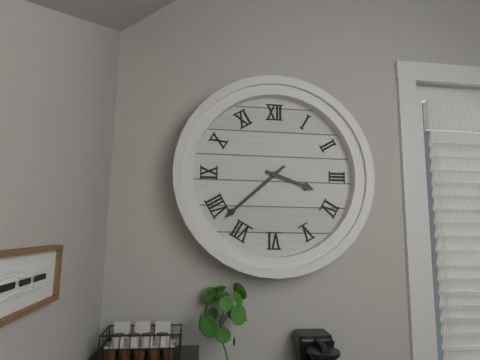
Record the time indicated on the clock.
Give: 3:38
